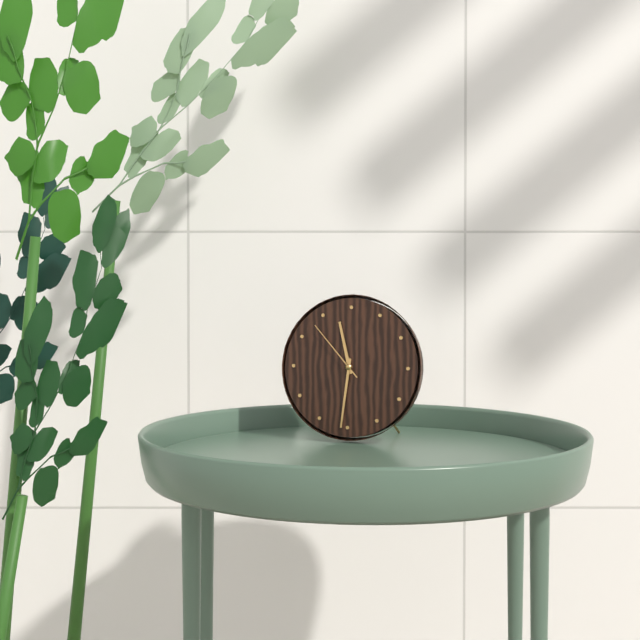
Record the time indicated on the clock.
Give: 11:31:53
